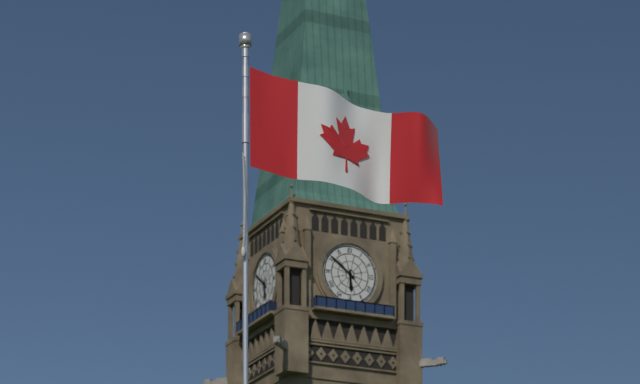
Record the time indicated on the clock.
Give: 5:51
